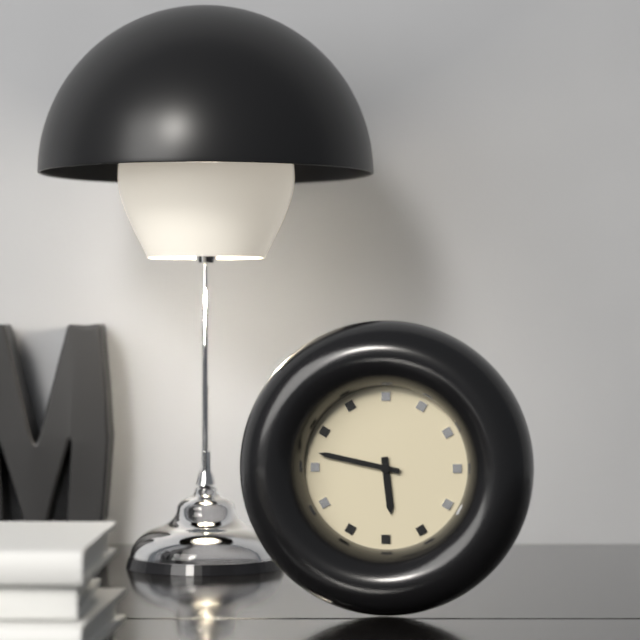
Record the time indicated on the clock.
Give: 5:47
